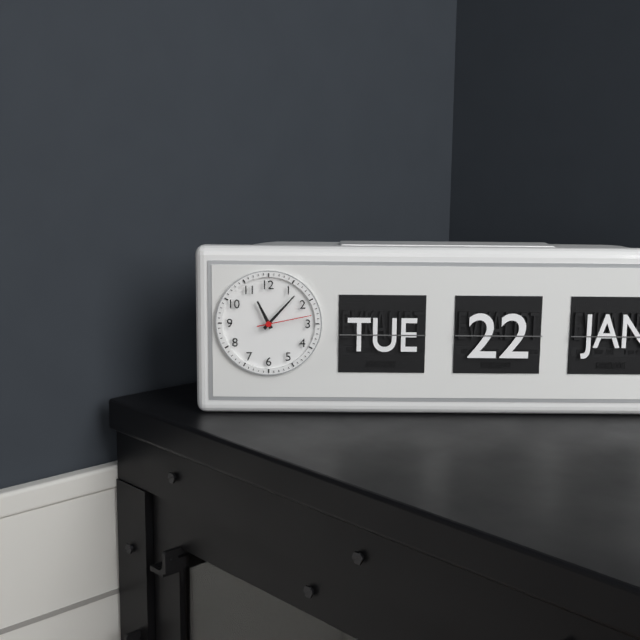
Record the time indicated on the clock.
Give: 11:07:13
